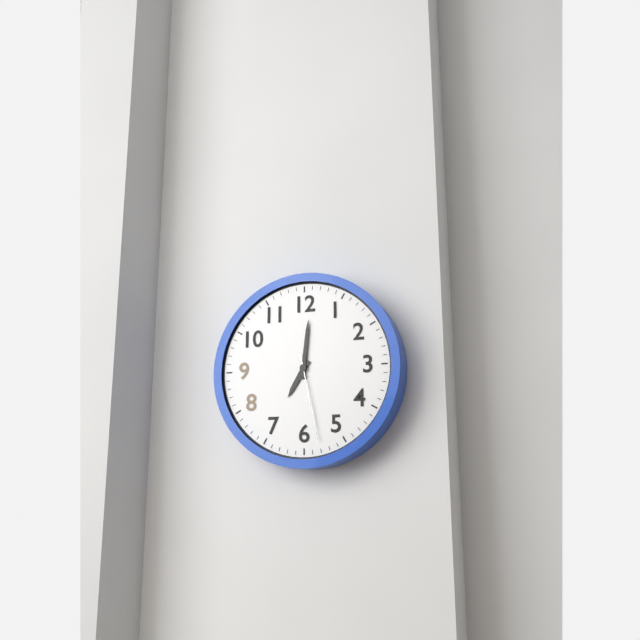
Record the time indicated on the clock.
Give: 7:01:28
